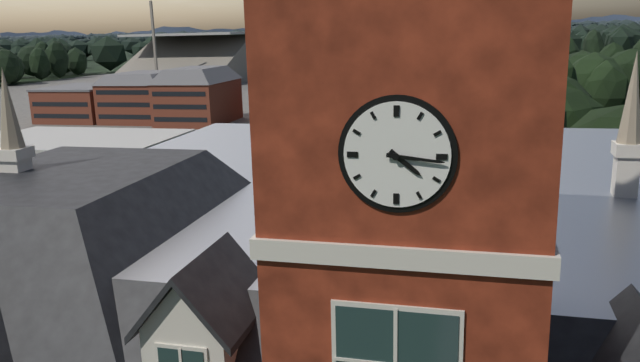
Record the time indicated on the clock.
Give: 4:16
